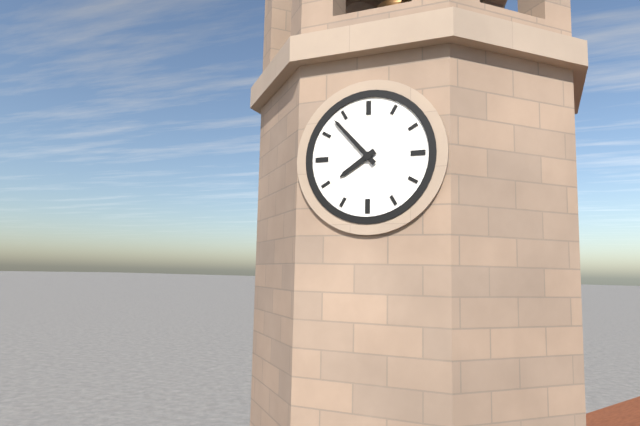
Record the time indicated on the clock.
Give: 7:53
